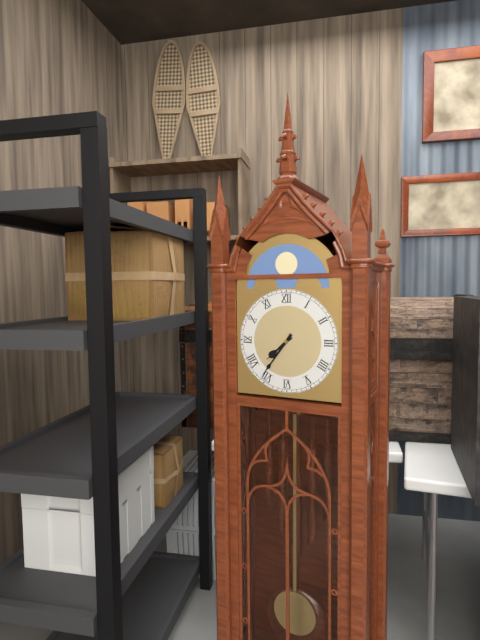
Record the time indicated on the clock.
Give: 7:36
